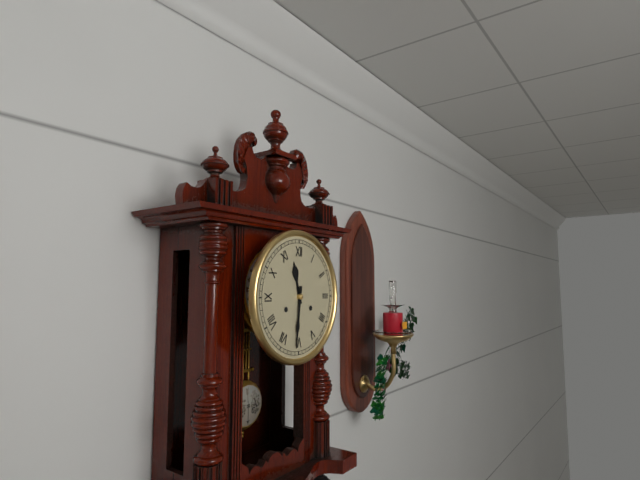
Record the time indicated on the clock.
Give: 11:31
